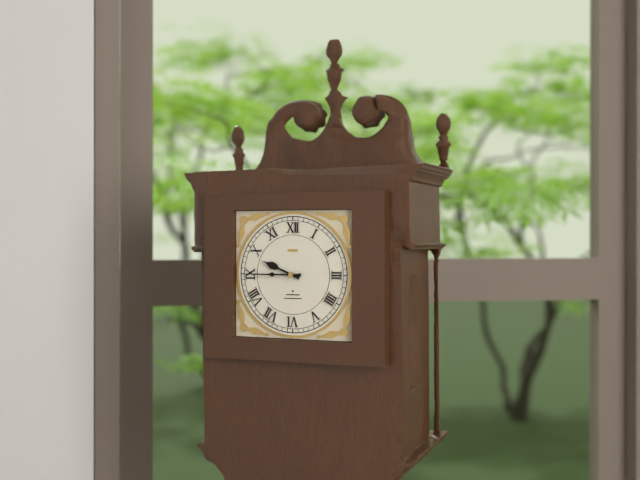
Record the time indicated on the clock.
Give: 9:45
